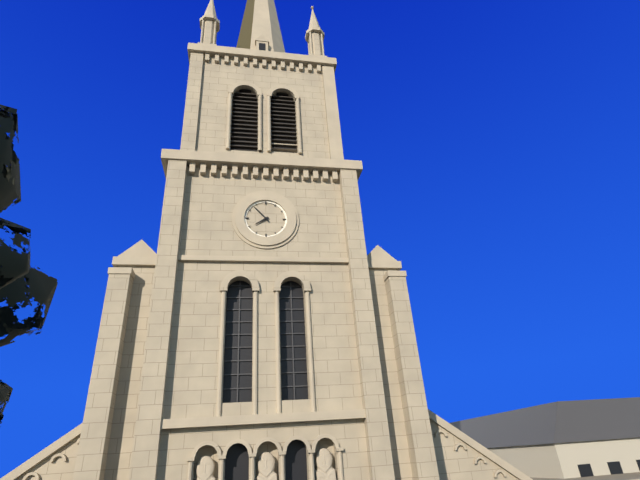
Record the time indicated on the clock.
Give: 7:53
